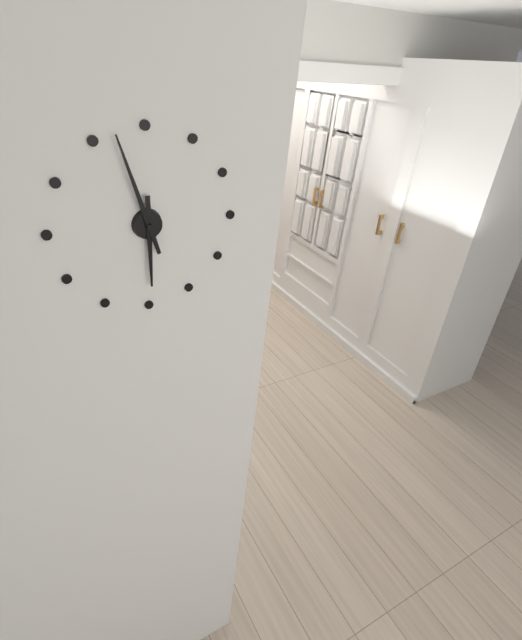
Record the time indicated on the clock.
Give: 5:57
